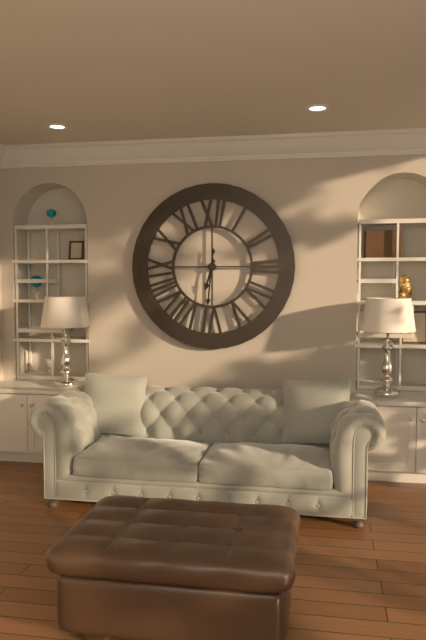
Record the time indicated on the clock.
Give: 6:31
